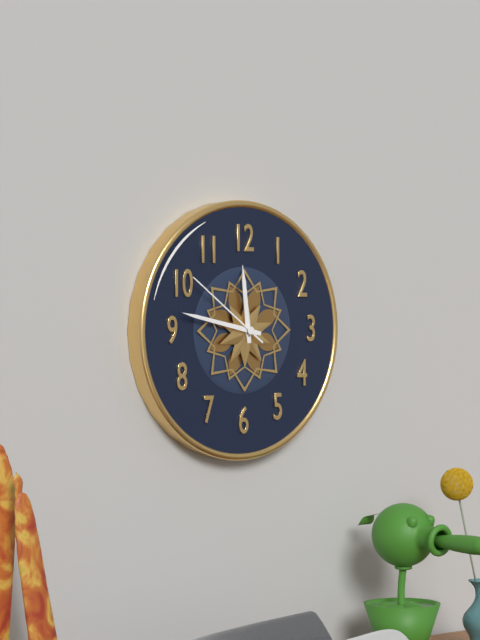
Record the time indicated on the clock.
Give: 11:47:51
